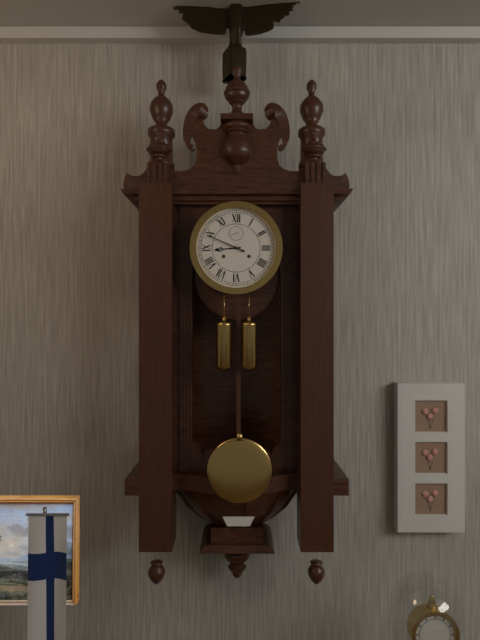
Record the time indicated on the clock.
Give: 8:49
